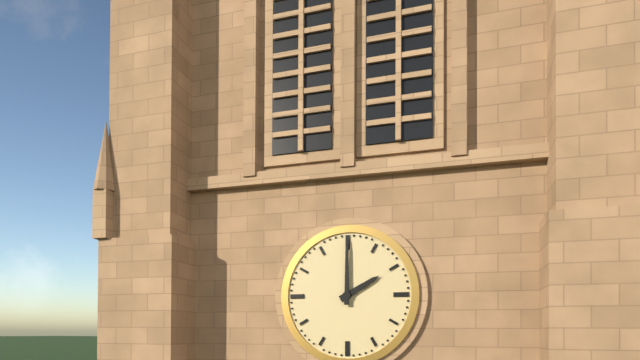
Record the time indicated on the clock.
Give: 2:00
